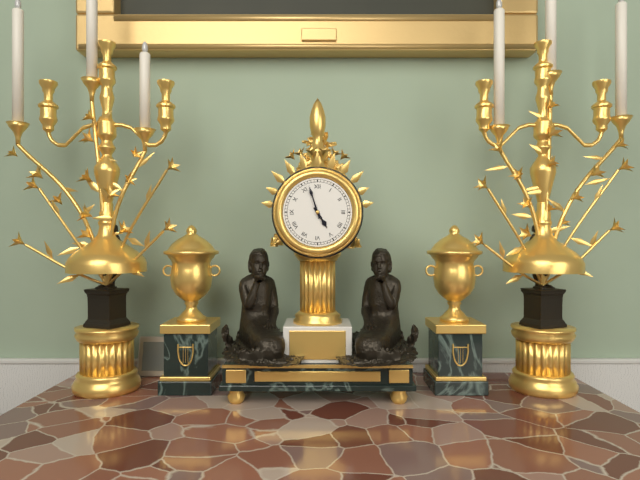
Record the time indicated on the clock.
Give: 4:57
